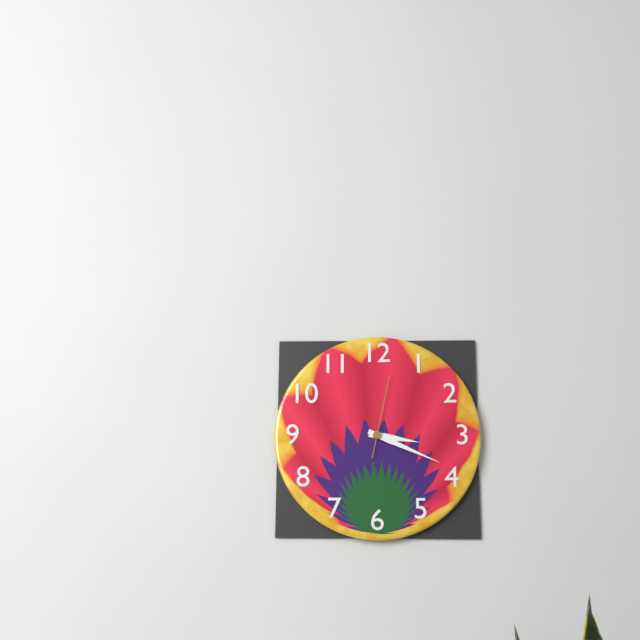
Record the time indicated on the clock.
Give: 3:19:02
